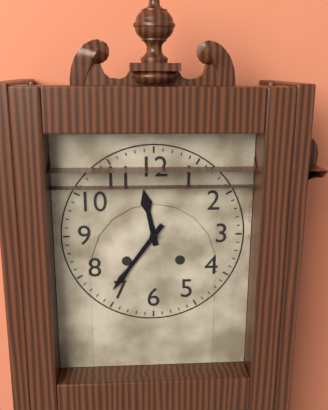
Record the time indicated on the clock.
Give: 11:36
